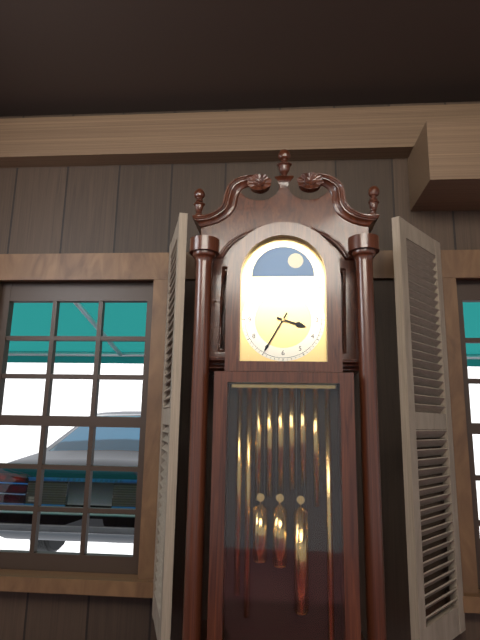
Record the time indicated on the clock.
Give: 3:35
